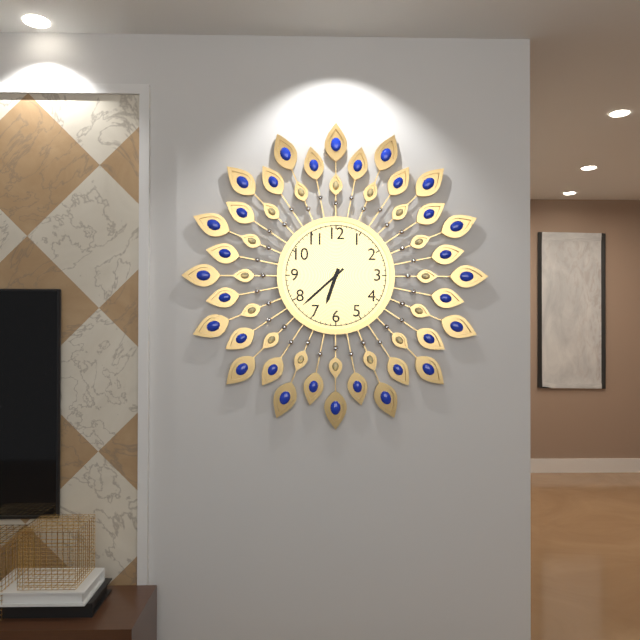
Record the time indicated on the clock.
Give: 6:38
